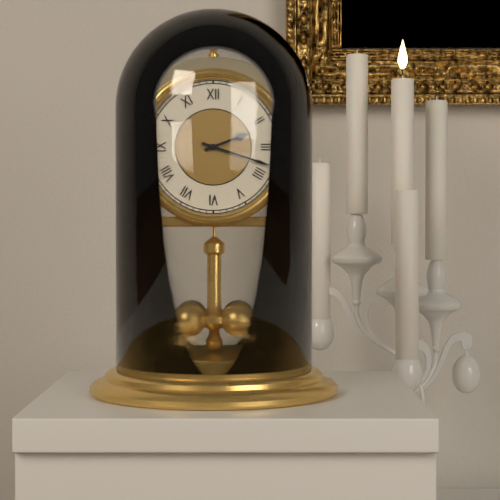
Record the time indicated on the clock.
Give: 2:18
